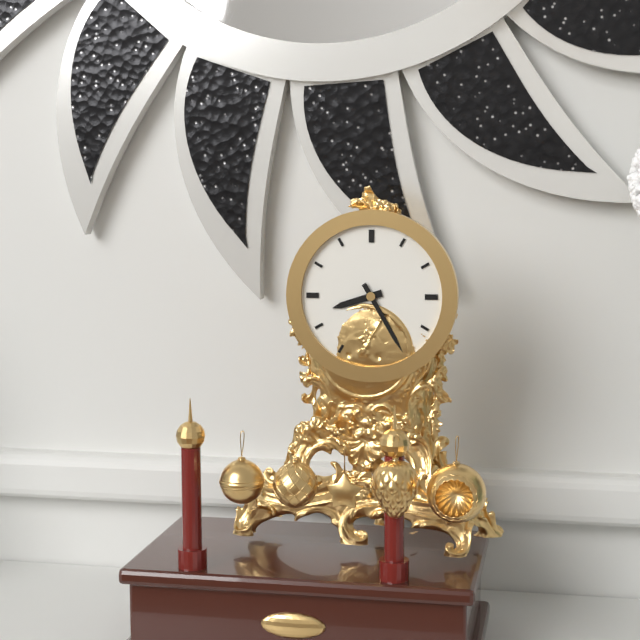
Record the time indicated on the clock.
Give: 8:25
